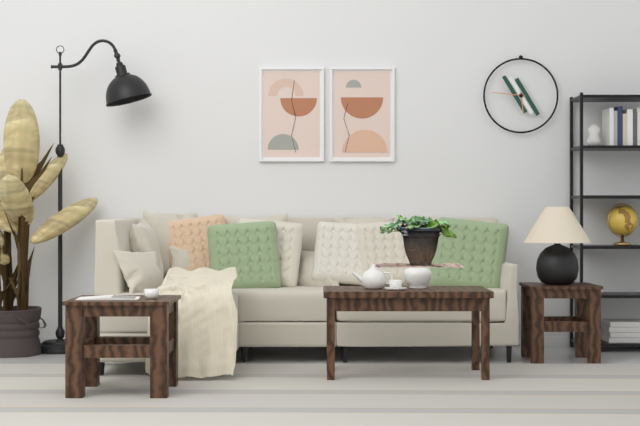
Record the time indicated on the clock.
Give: 5:46
